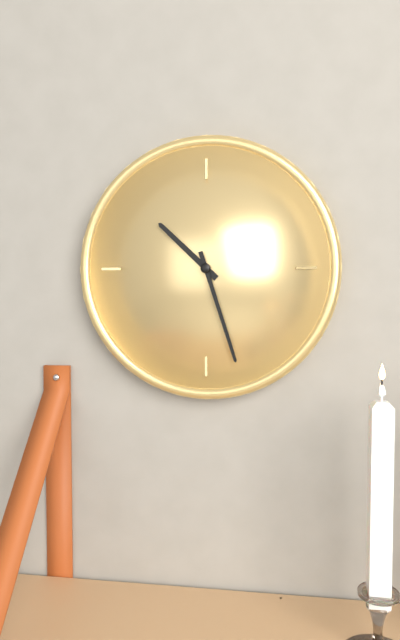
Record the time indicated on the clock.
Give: 10:27
